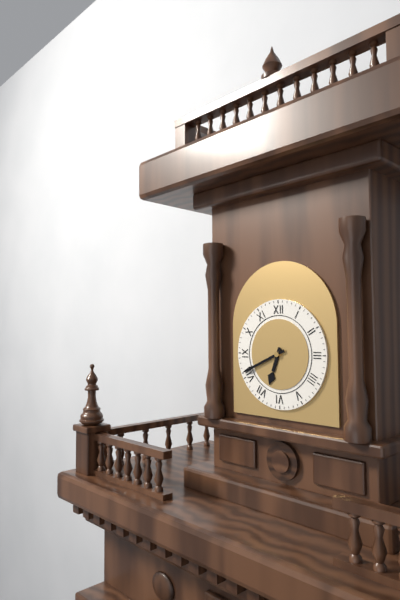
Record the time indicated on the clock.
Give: 6:41
